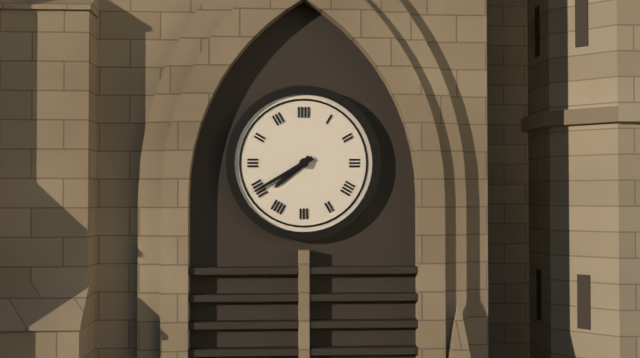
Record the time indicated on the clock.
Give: 7:40
